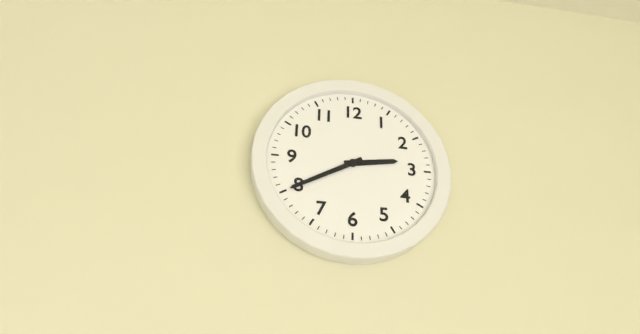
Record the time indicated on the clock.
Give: 2:40
